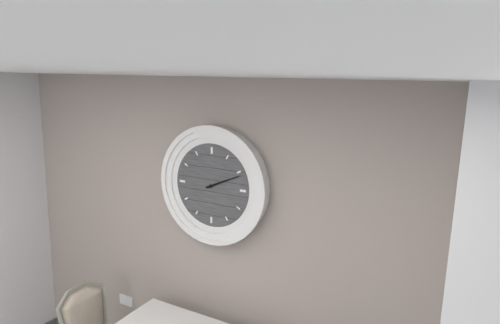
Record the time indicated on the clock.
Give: 2:11
